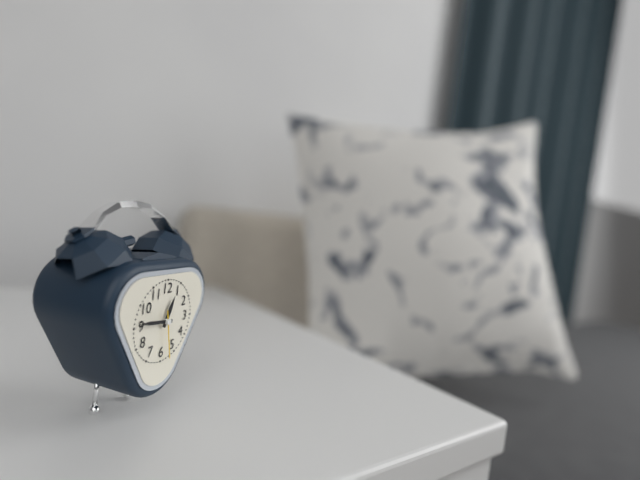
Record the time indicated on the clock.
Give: 12:46
